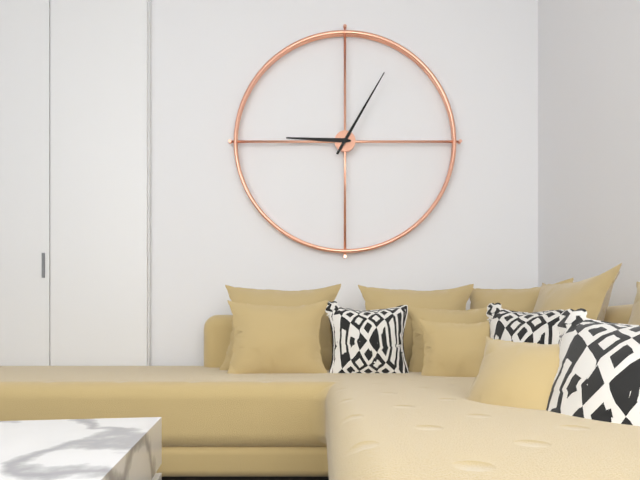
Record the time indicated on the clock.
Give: 9:05
